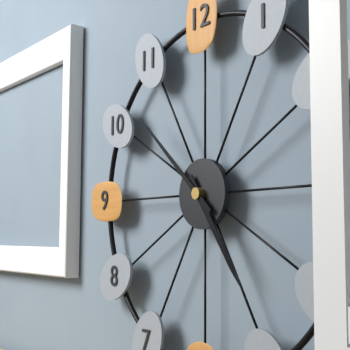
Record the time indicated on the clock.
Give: 4:52
